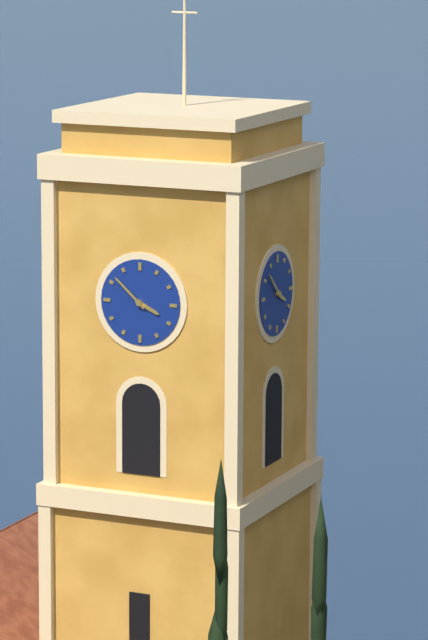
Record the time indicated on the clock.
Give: 3:52
